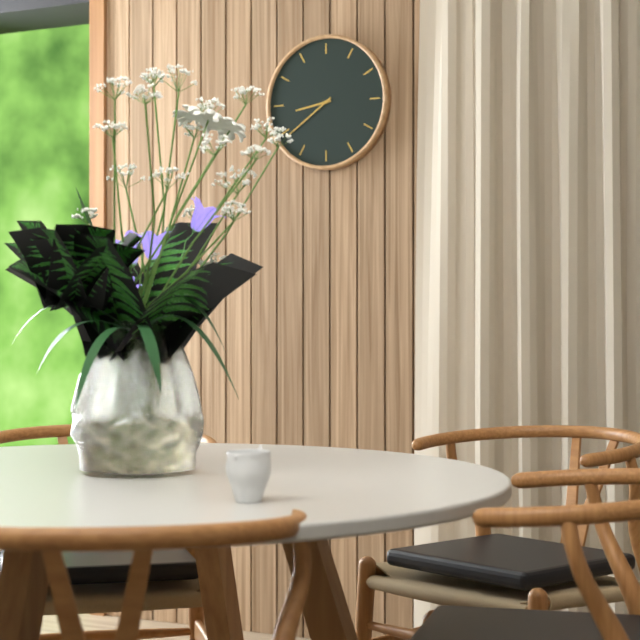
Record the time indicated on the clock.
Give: 8:39
